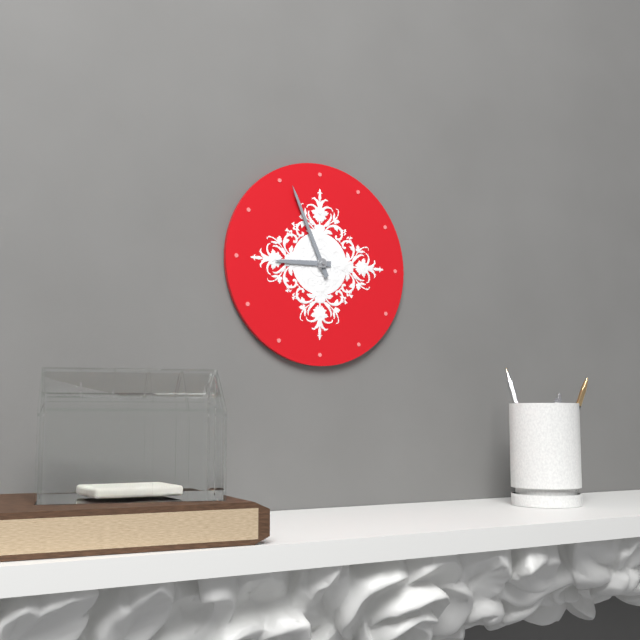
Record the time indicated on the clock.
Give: 8:56
